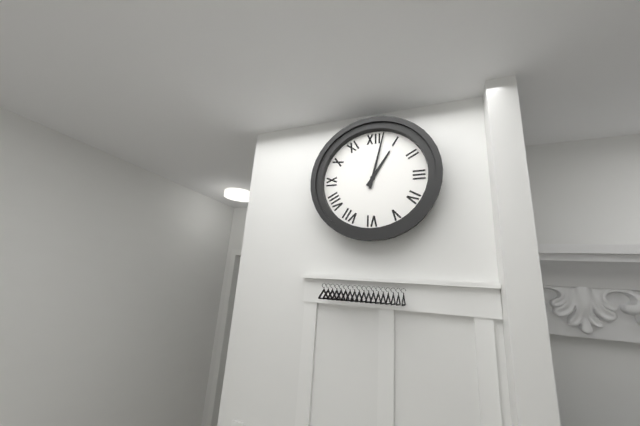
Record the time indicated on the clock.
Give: 1:02
